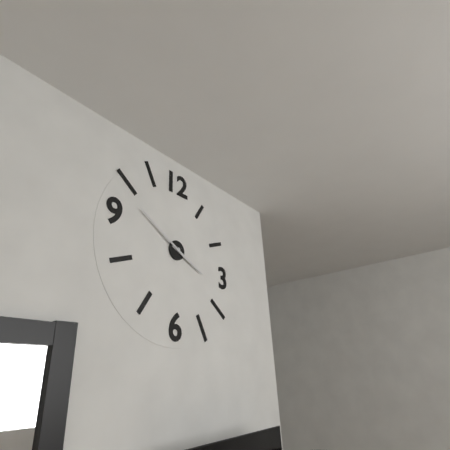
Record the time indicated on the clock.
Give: 3:50
